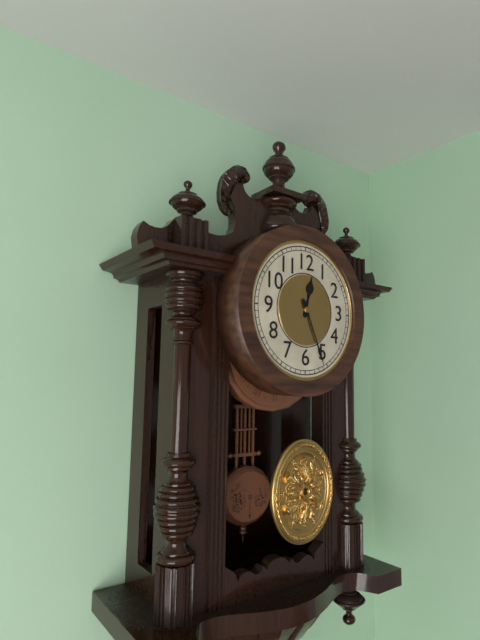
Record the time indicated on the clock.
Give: 12:26
